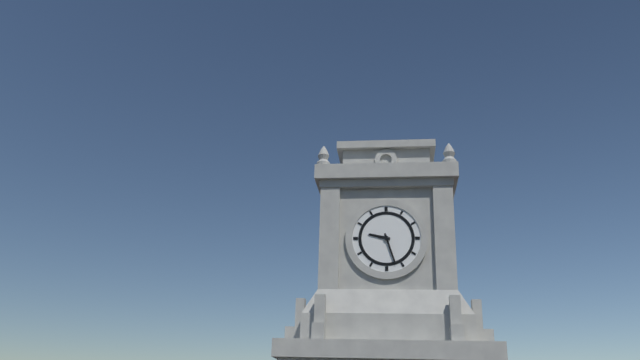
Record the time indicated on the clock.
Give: 9:27
